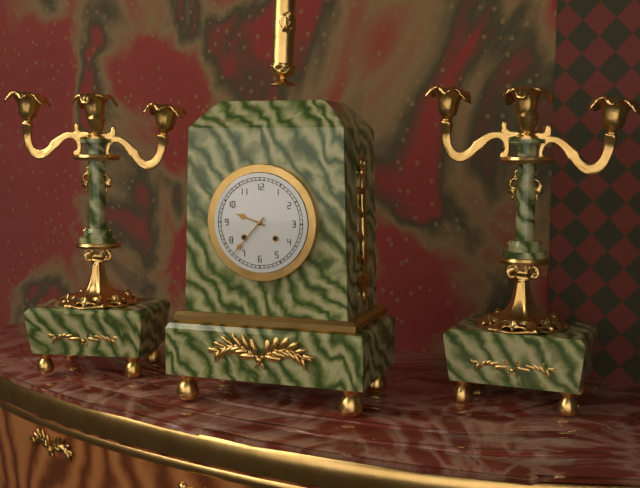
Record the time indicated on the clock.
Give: 9:37
